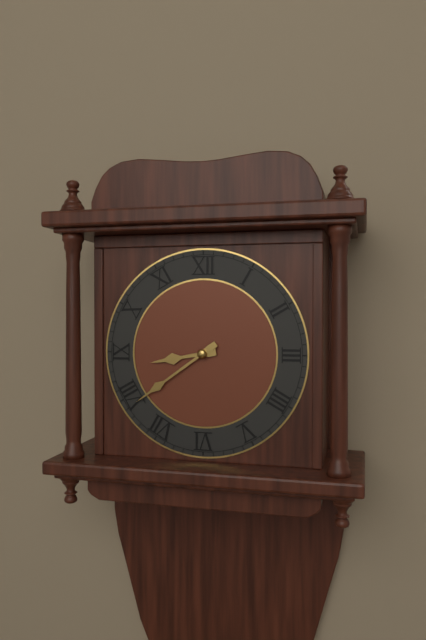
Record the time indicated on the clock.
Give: 8:39
